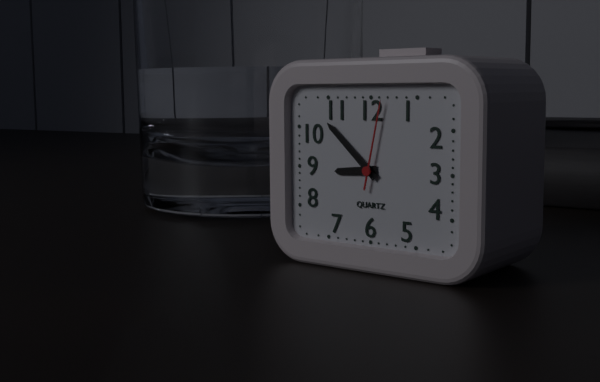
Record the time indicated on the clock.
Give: 8:52:02
